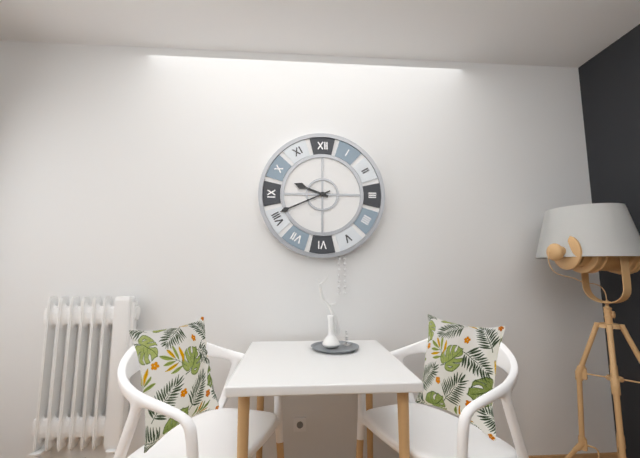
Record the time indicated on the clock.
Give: 9:41
